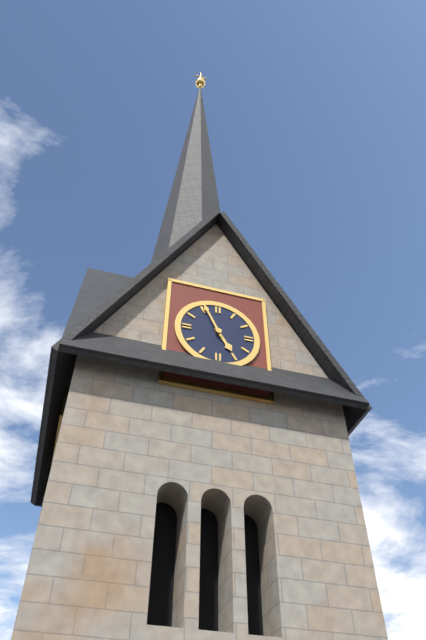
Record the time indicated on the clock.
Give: 4:56
